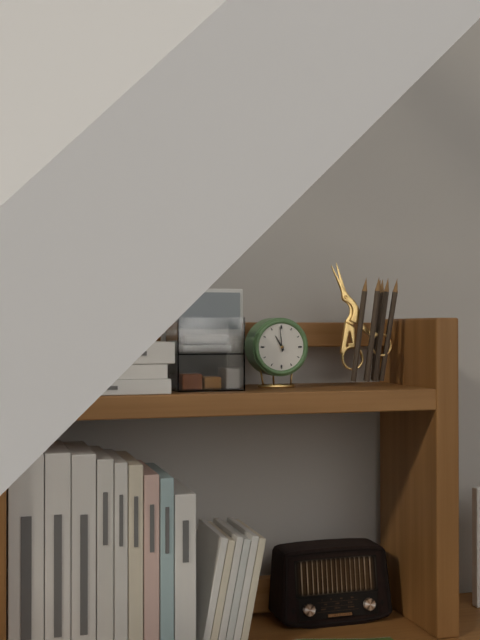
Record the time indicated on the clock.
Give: 10:59
